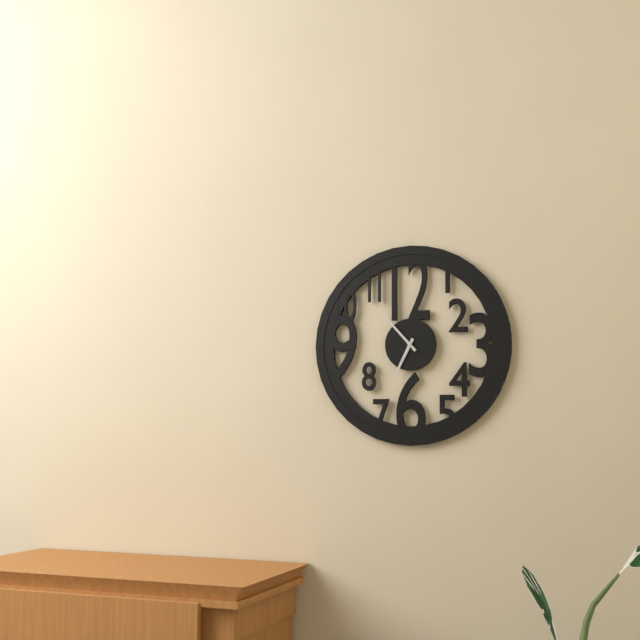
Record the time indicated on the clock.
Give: 6:53
